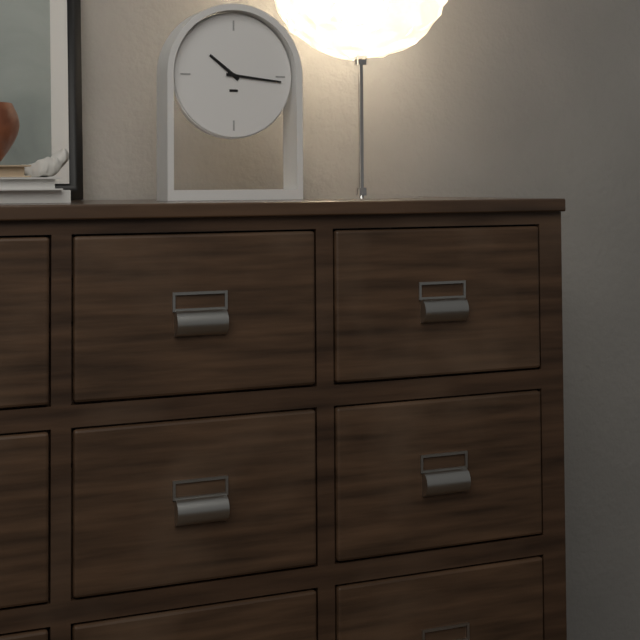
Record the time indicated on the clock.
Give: 10:16
